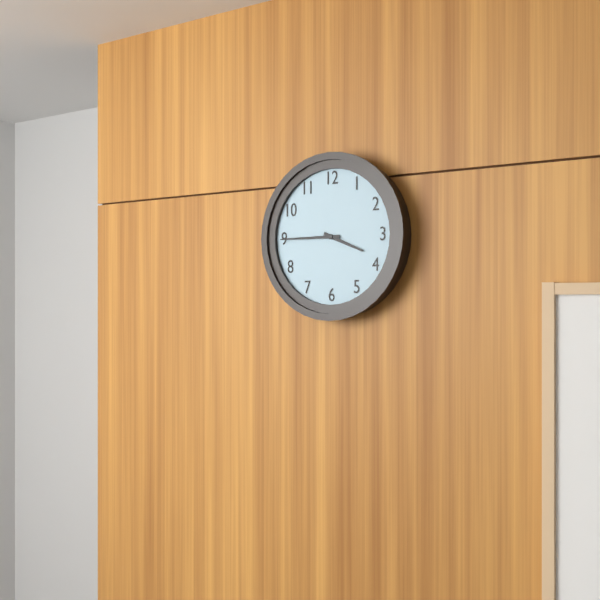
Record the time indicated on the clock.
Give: 3:45
